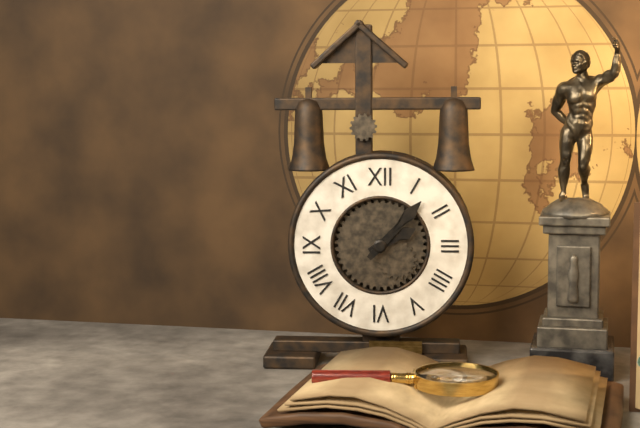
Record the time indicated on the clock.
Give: 2:07
